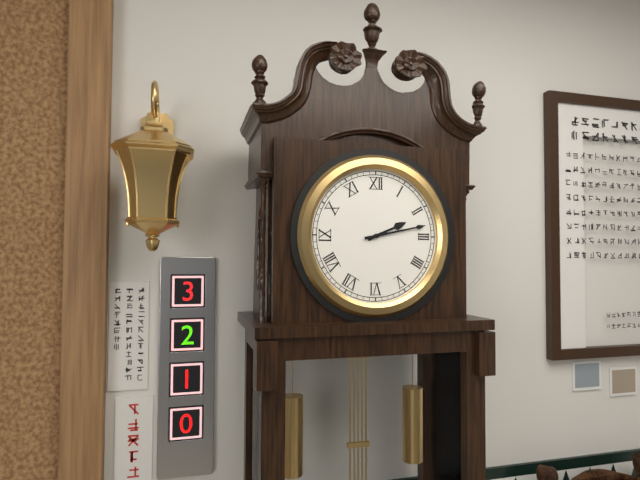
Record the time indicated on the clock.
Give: 2:13
